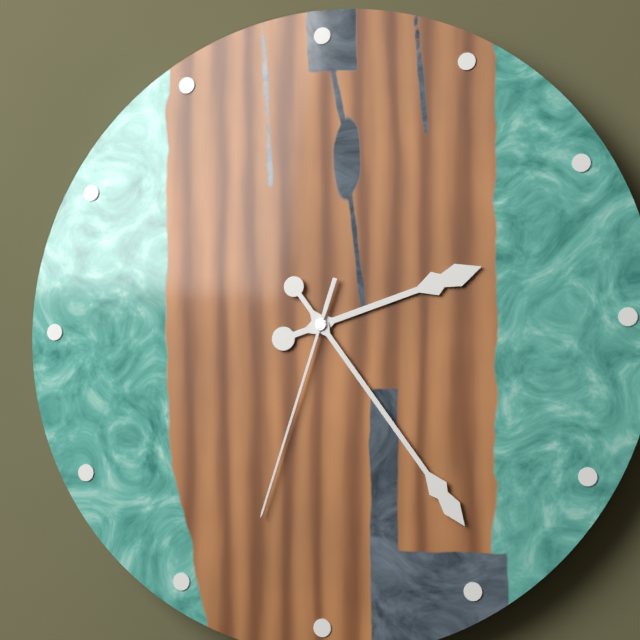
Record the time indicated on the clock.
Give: 2:24:33
